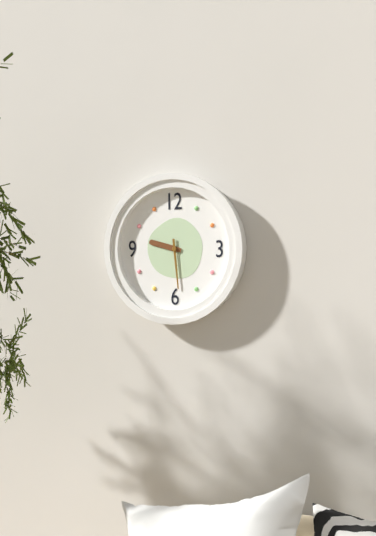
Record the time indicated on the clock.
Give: 9:29
